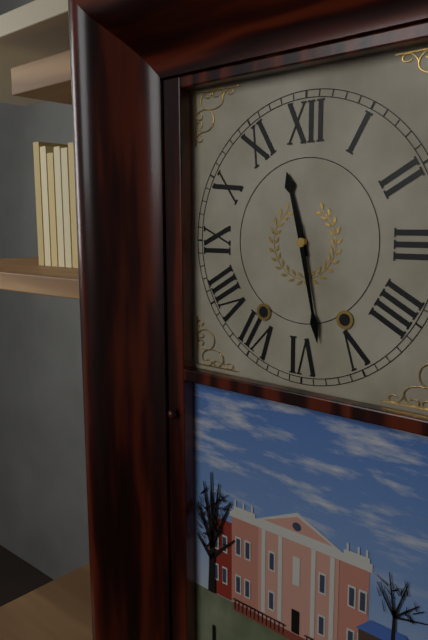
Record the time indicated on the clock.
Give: 11:28
